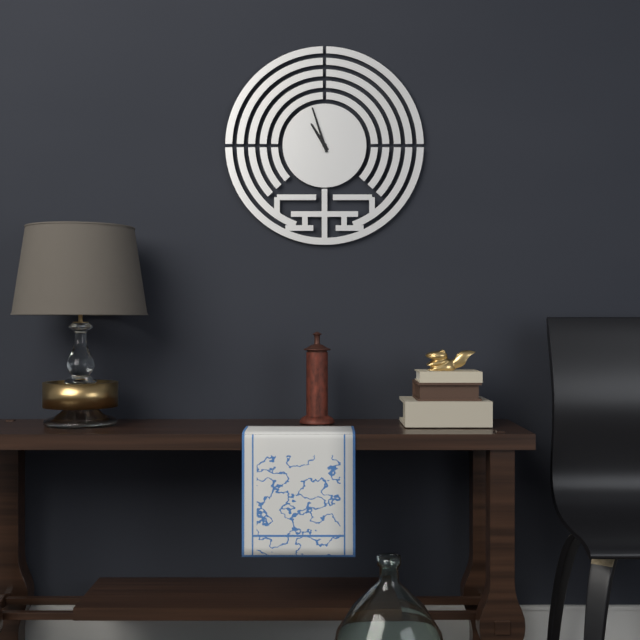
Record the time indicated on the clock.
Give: 10:57
